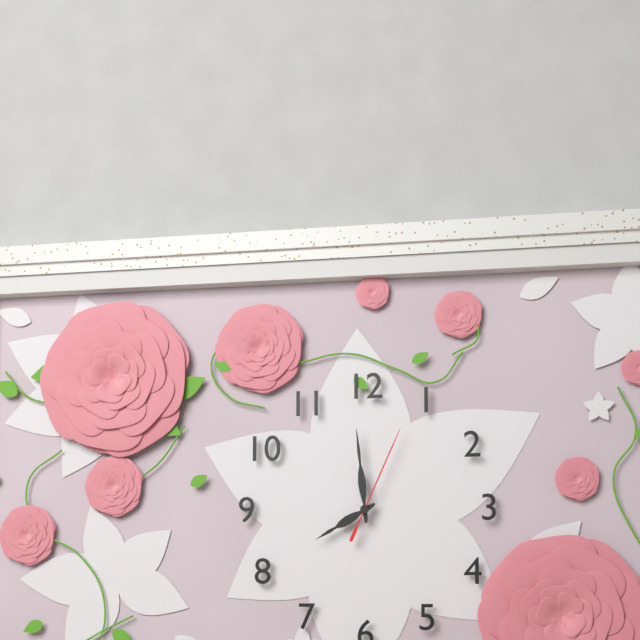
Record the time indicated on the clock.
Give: 7:59:04
